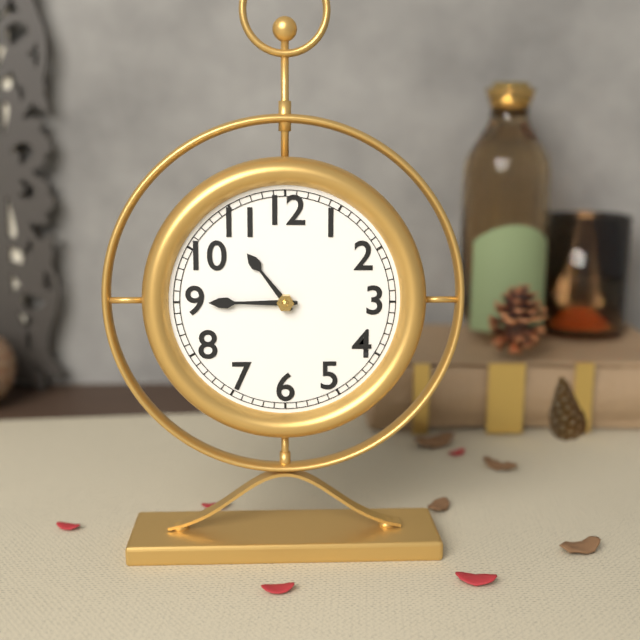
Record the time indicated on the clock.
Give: 10:45
